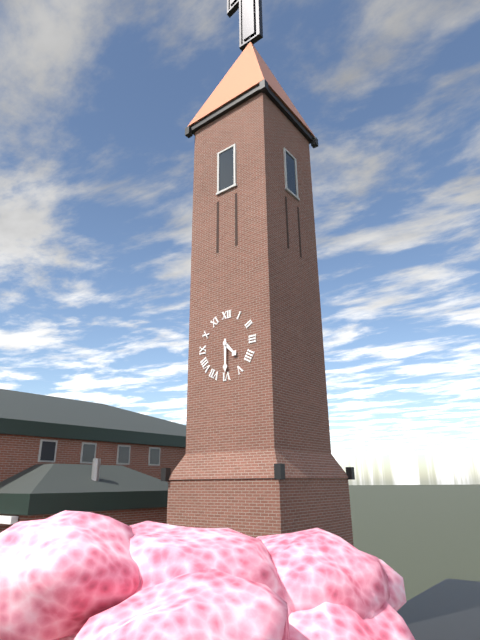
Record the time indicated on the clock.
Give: 4:30
